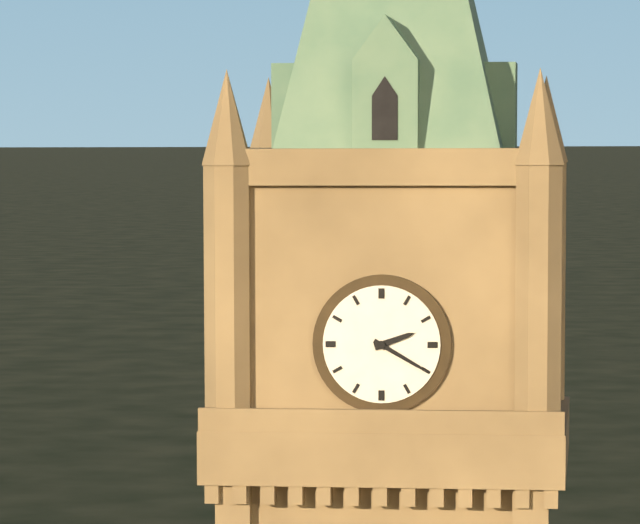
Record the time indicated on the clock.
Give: 2:20
